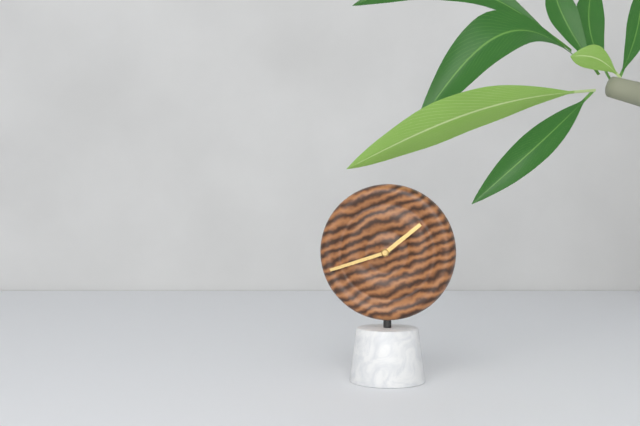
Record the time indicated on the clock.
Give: 1:42
